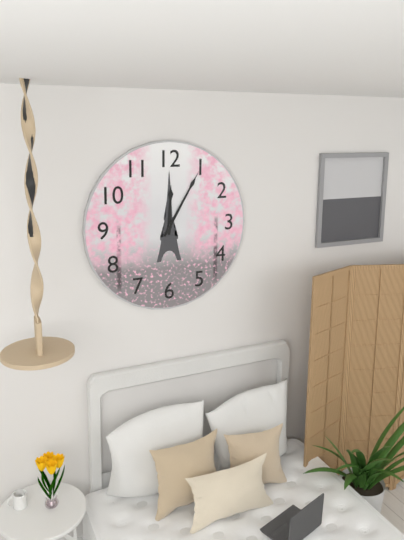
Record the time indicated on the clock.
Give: 12:05
